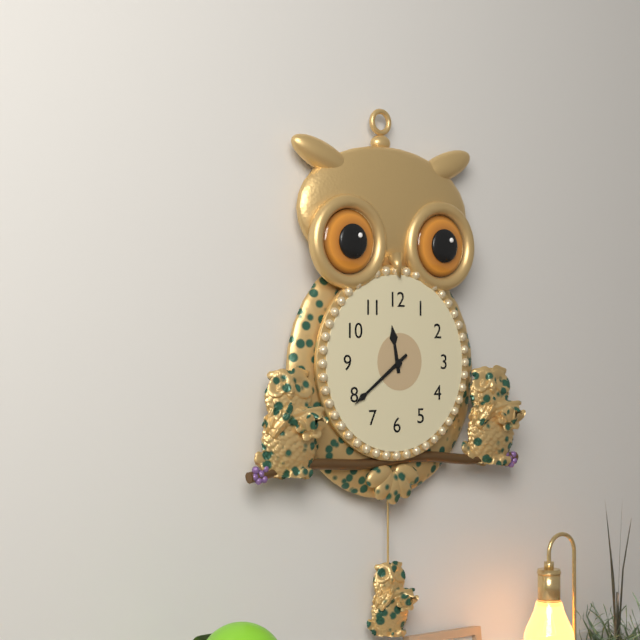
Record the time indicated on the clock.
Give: 11:39
